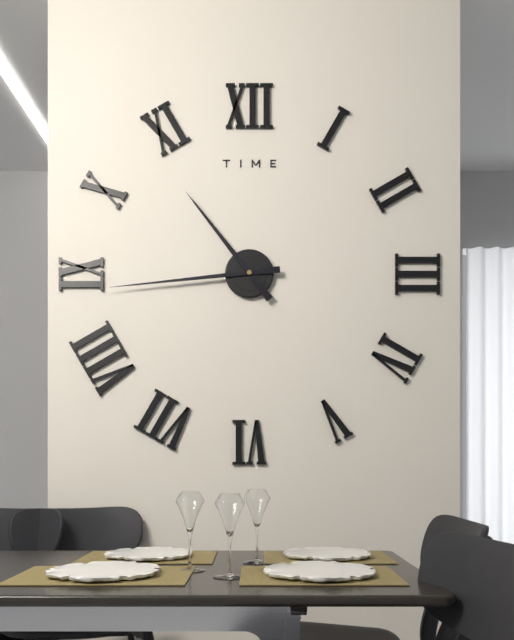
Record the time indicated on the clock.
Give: 10:44
